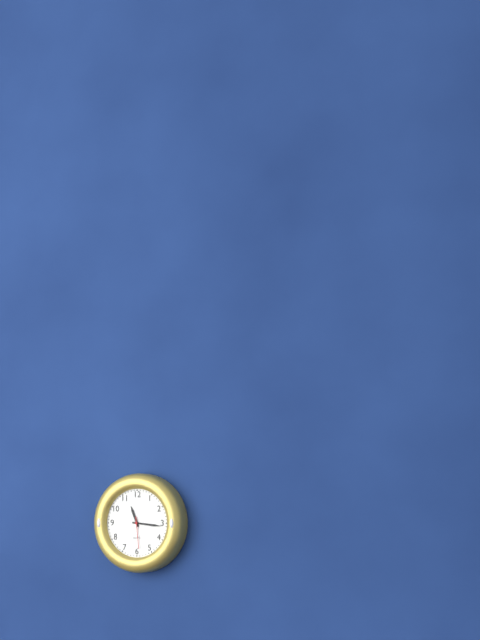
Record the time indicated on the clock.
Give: 11:16
